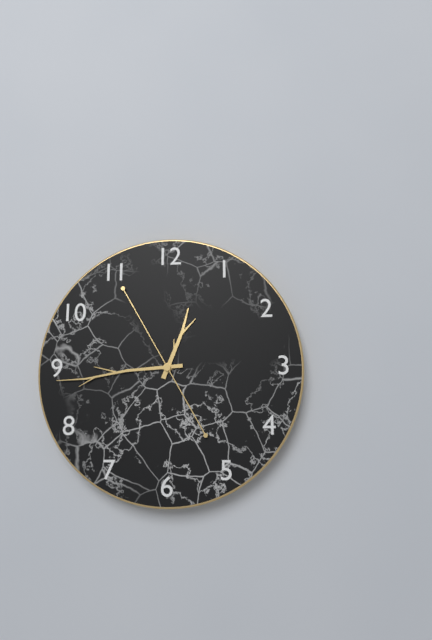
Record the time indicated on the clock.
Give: 12:44:55
